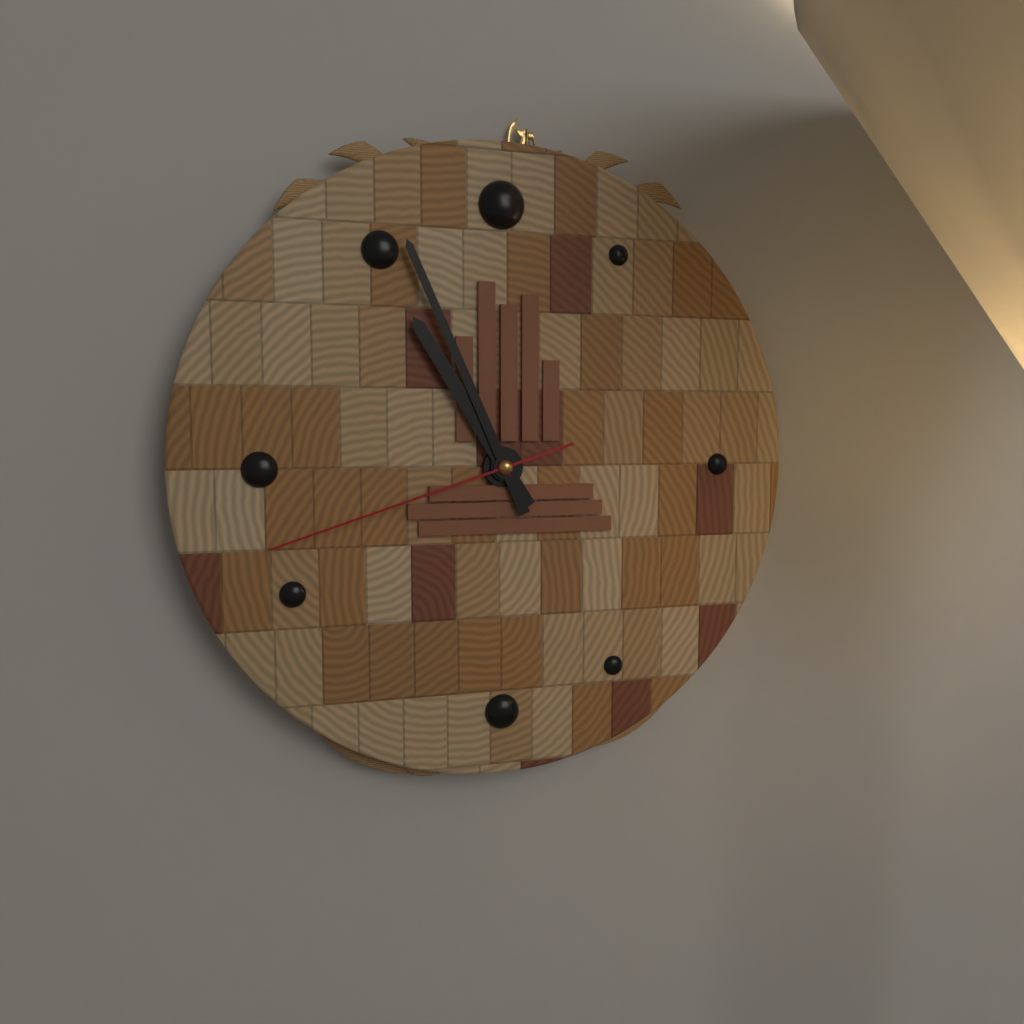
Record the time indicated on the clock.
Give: 10:56:42
